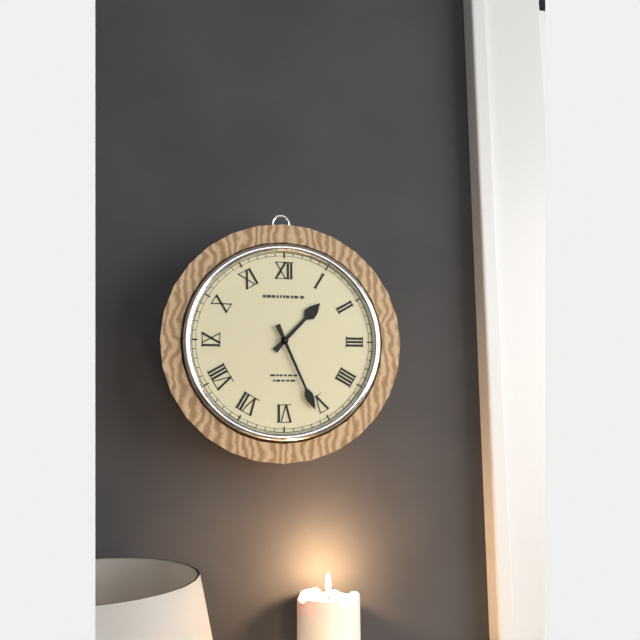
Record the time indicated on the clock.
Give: 1:26
